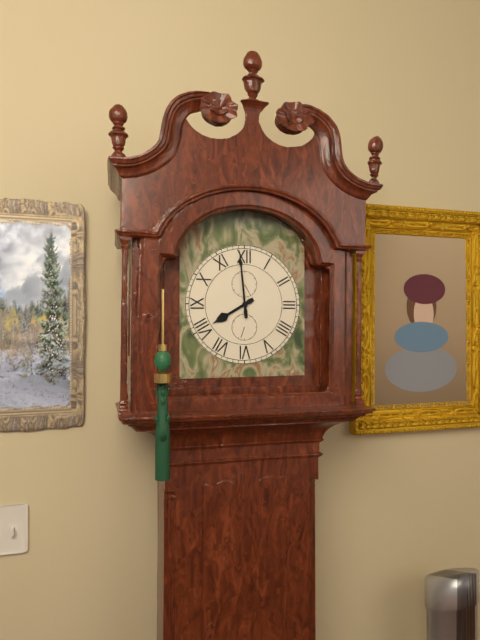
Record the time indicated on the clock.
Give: 7:59
